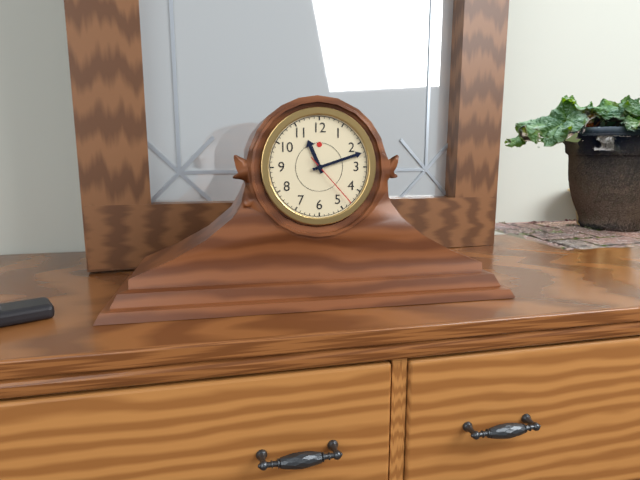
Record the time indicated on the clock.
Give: 11:12:23
